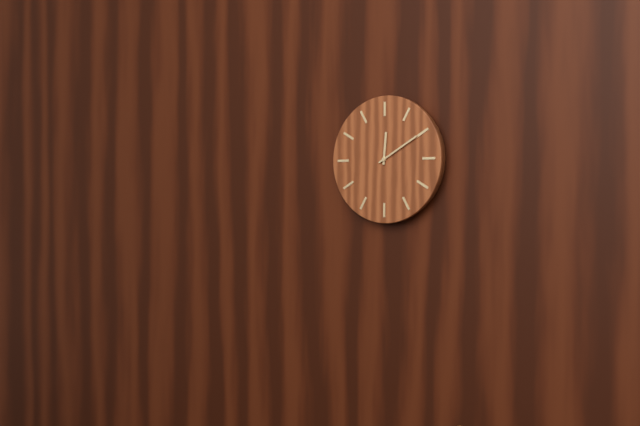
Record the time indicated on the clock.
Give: 12:10
